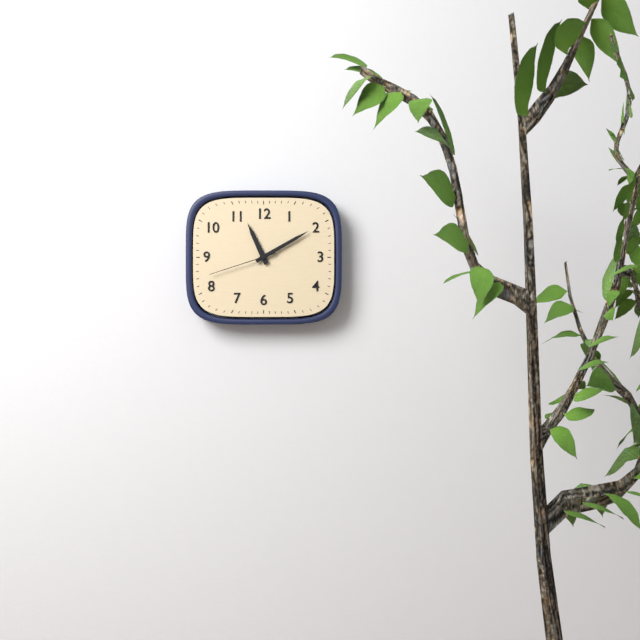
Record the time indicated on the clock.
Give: 11:10:42
